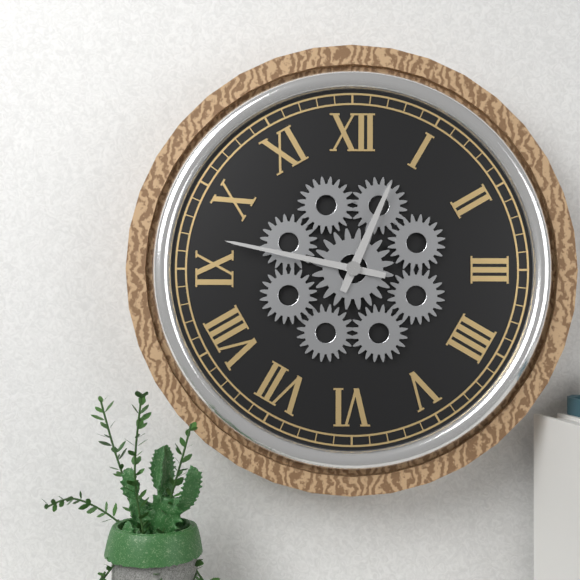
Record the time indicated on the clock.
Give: 12:47
